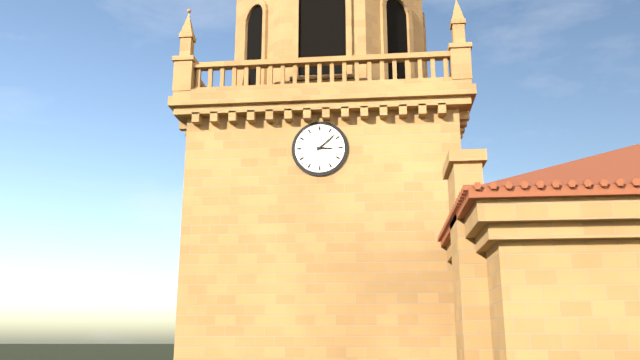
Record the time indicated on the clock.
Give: 3:08
